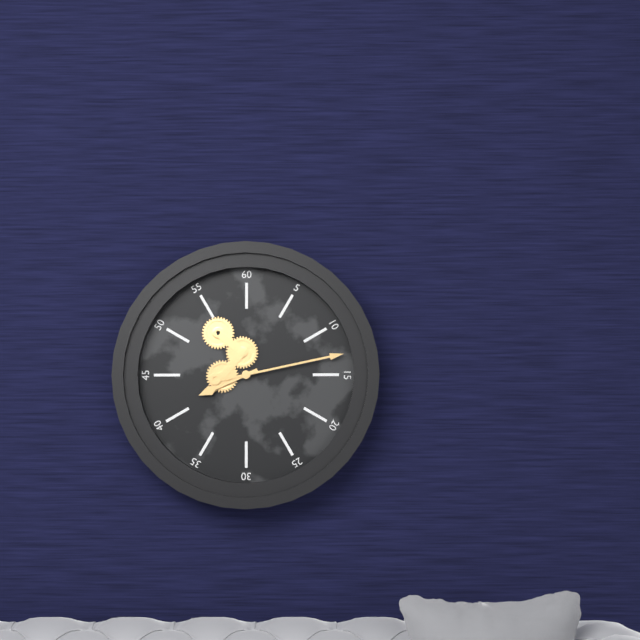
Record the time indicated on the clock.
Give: 8:13
